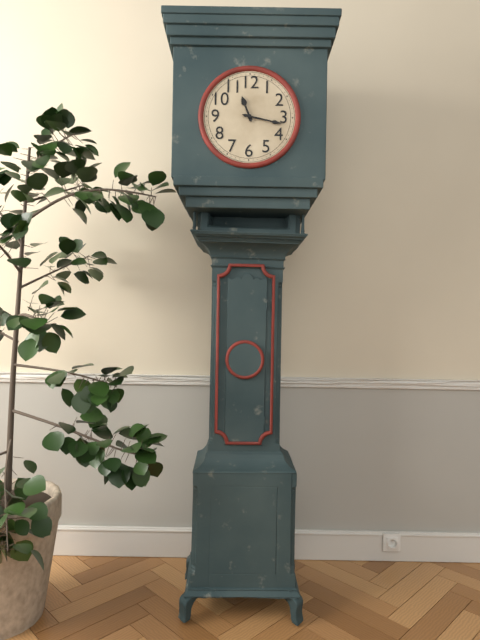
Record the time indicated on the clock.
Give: 11:17
